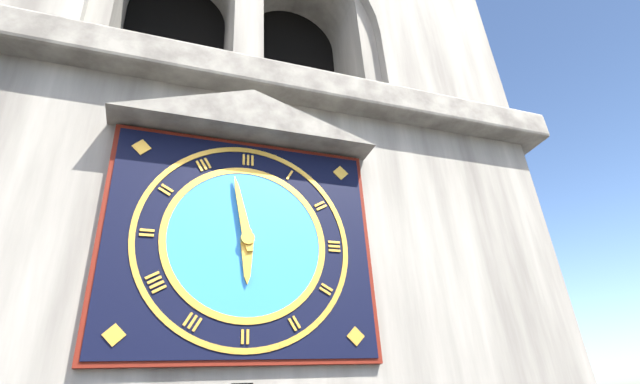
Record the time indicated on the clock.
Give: 5:58
